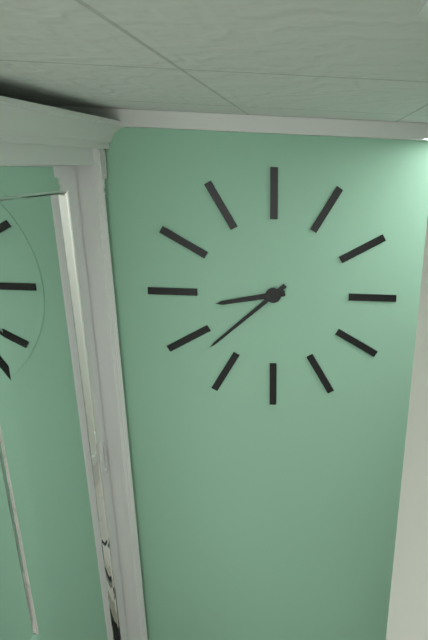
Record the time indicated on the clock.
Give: 8:38
